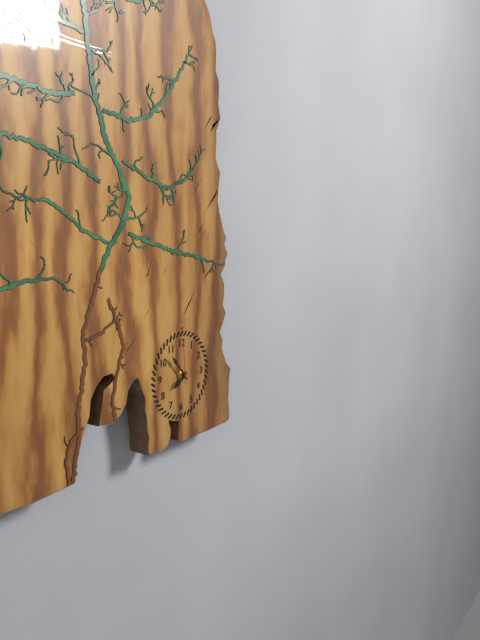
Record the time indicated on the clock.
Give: 7:53
